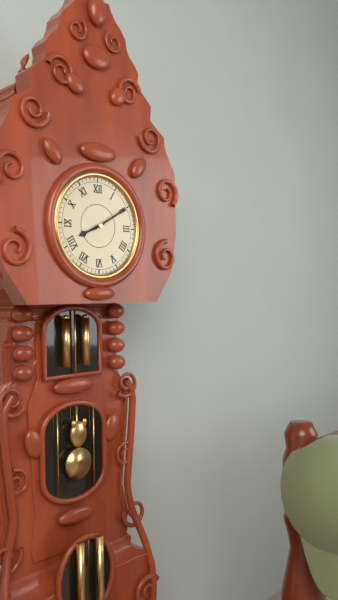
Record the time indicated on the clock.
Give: 8:10
